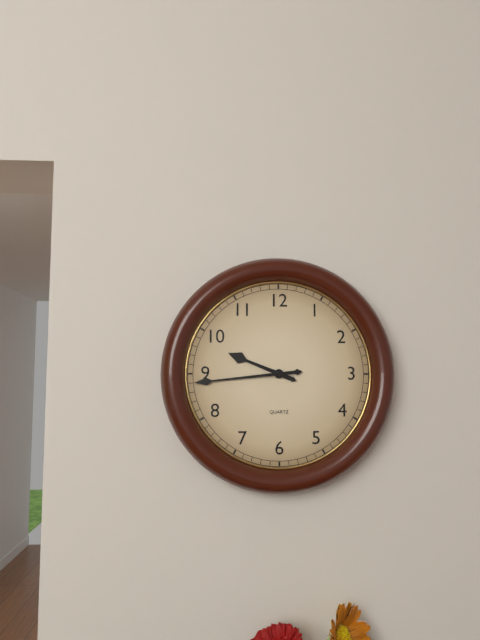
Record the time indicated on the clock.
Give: 9:44
